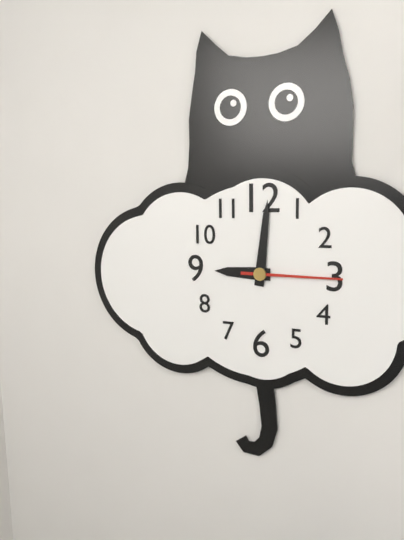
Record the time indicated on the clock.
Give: 9:01:15
